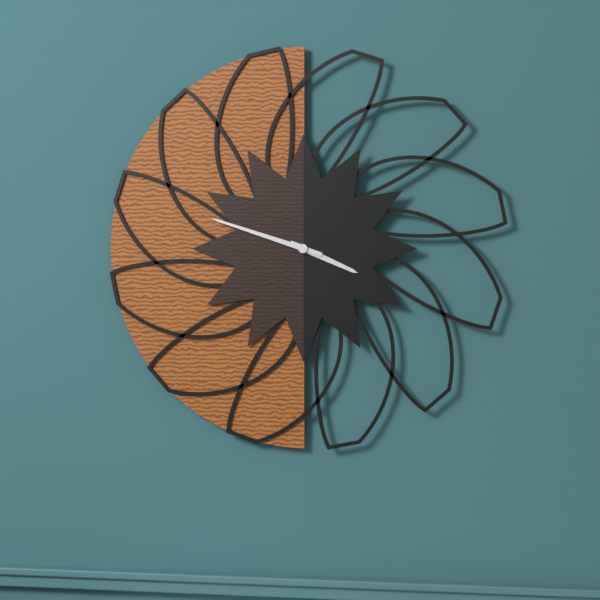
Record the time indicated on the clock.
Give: 3:48
